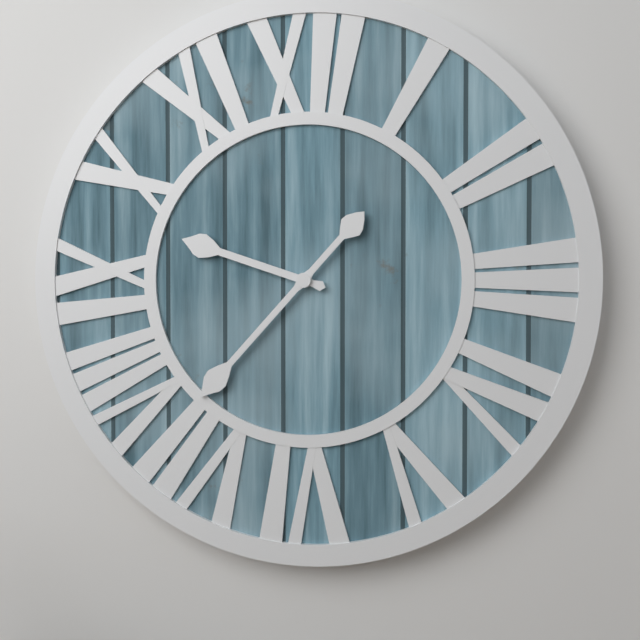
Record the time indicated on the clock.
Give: 9:37
